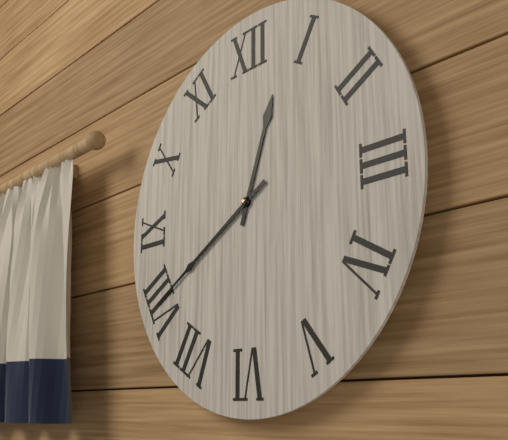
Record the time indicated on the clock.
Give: 12:40
